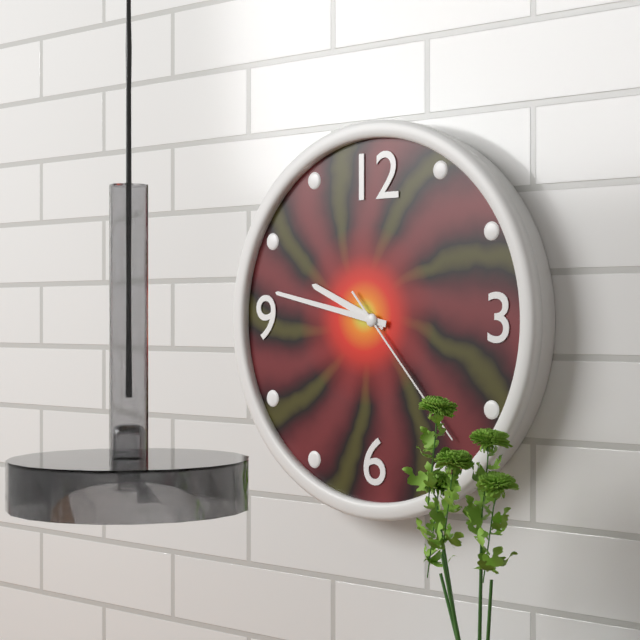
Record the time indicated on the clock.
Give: 9:47:23
